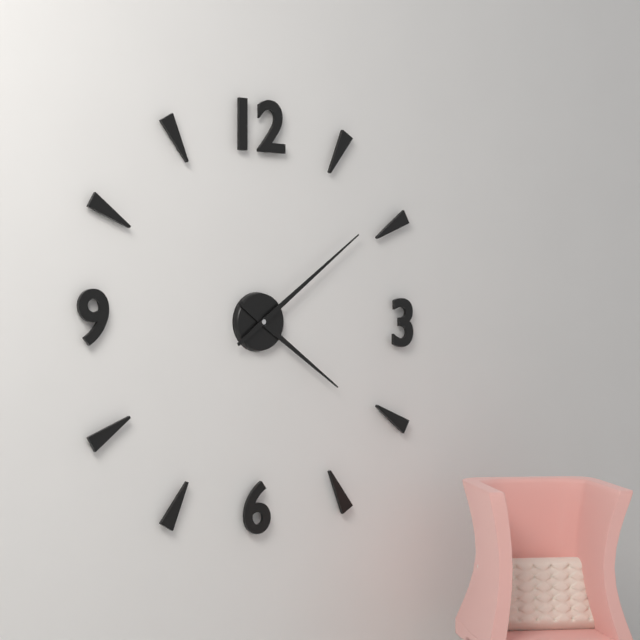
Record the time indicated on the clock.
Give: 4:09
